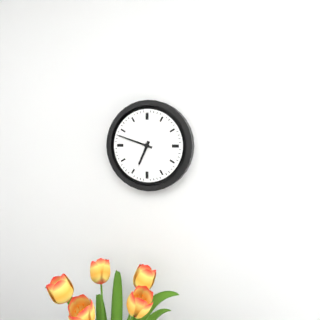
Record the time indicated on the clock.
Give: 6:48
